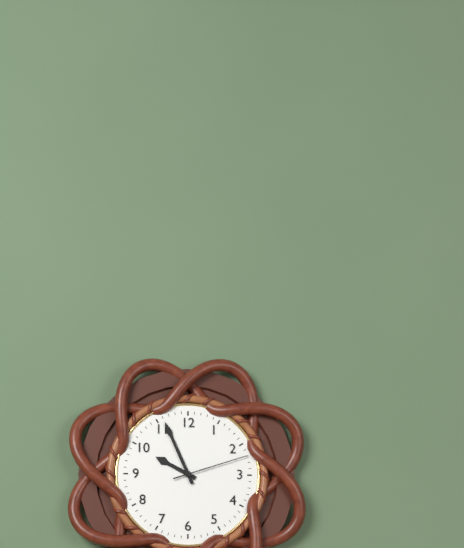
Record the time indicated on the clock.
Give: 9:56:12
